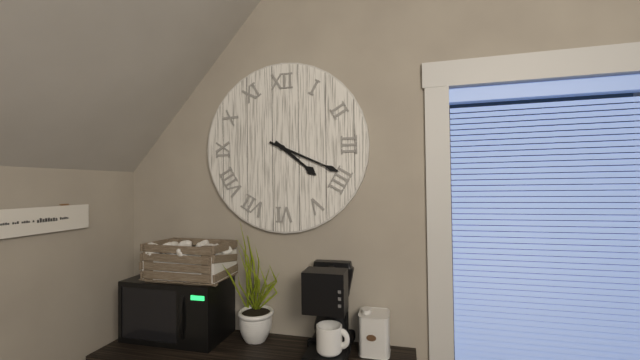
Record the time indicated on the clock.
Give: 4:19
